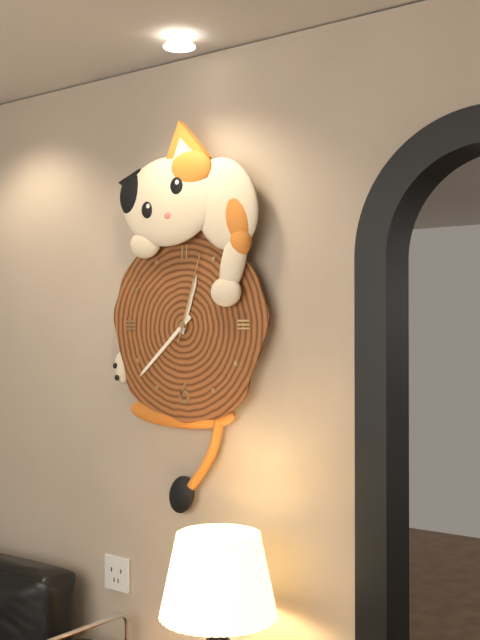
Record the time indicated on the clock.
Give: 12:38:03
